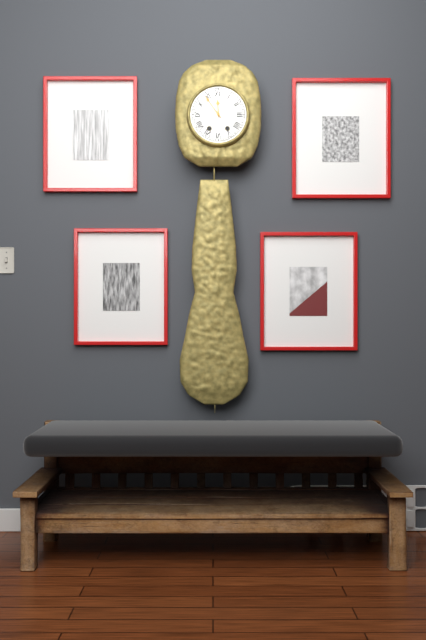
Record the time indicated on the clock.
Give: 11:54
